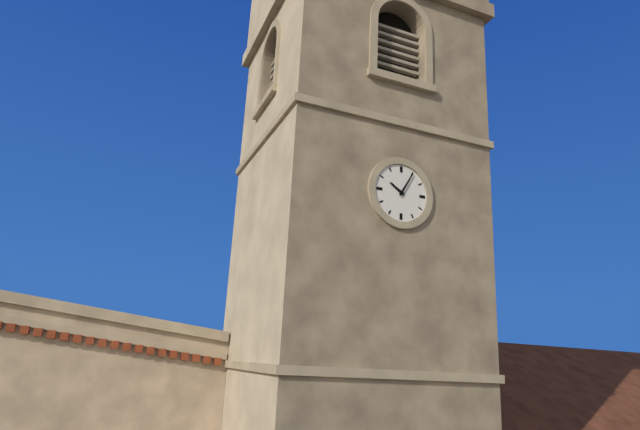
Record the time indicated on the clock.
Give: 10:05
